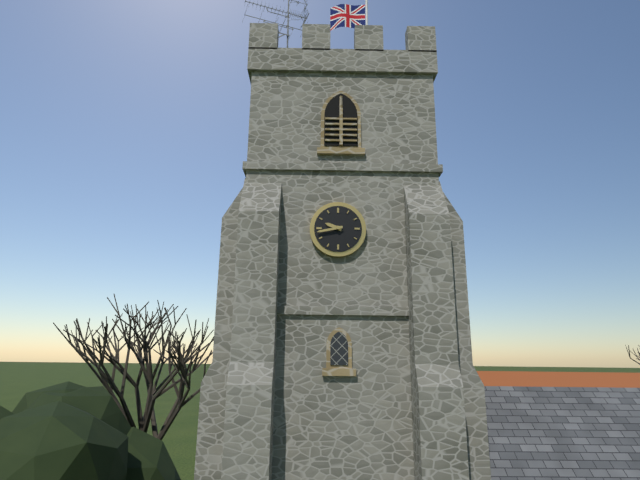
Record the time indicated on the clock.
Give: 9:43
